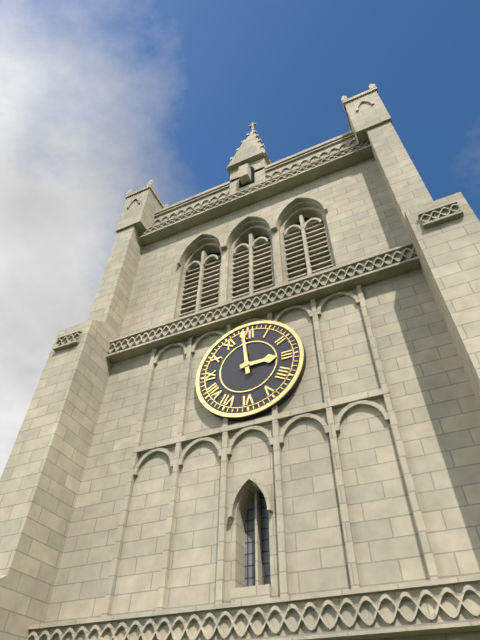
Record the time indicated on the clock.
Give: 2:59
